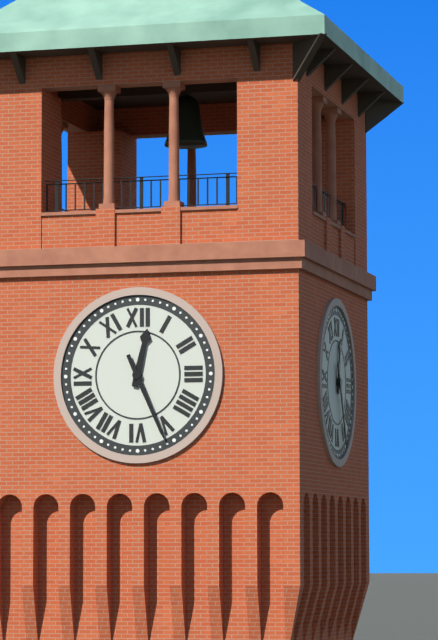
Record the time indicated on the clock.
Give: 12:26
